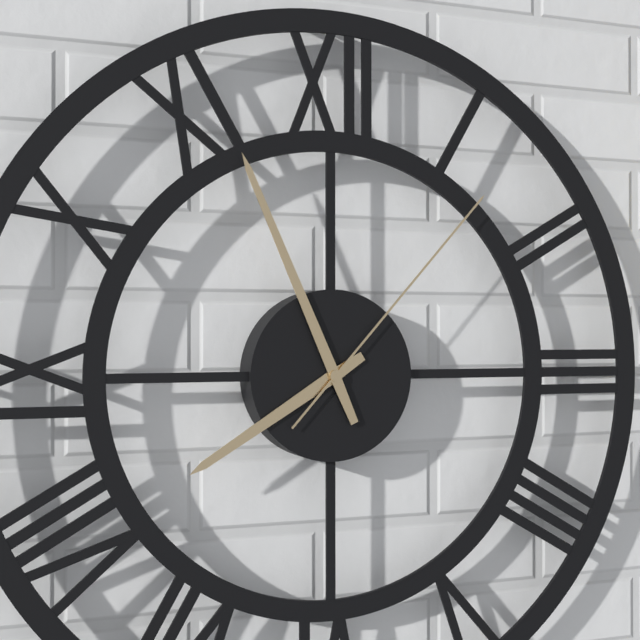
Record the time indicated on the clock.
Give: 7:56:07
